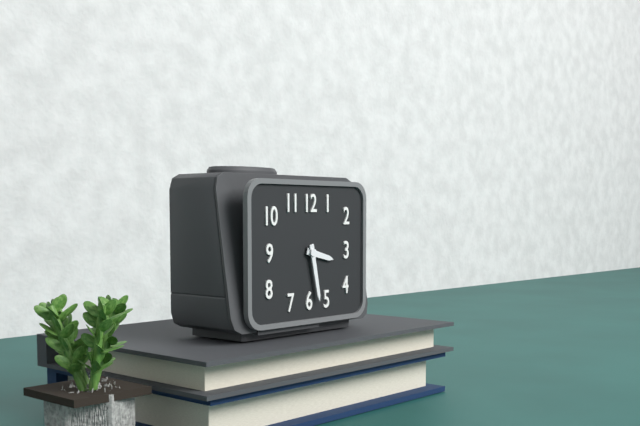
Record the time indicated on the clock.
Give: 3:28
